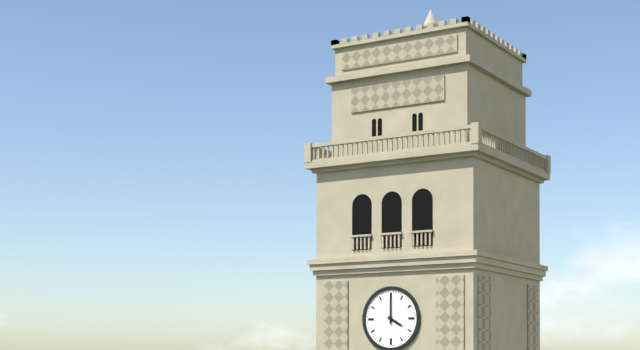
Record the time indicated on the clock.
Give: 4:00
